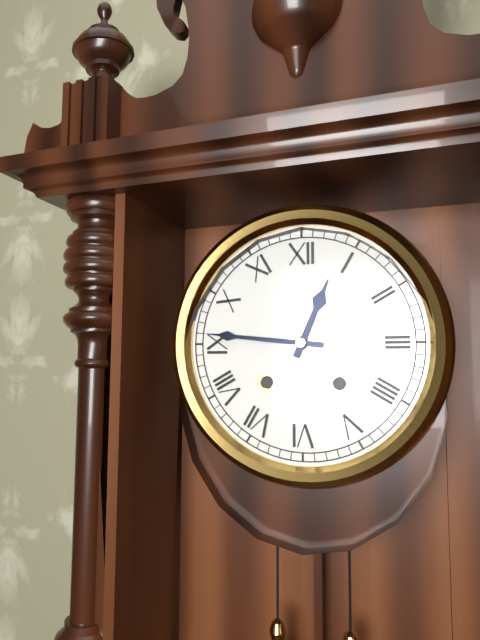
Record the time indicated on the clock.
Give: 12:46
